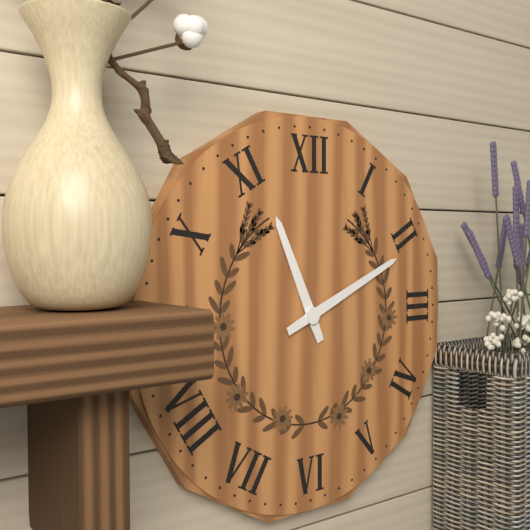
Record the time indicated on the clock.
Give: 11:11
